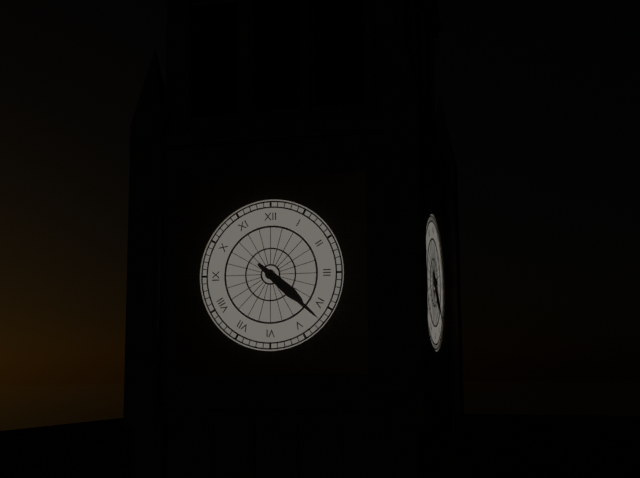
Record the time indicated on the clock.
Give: 4:22
